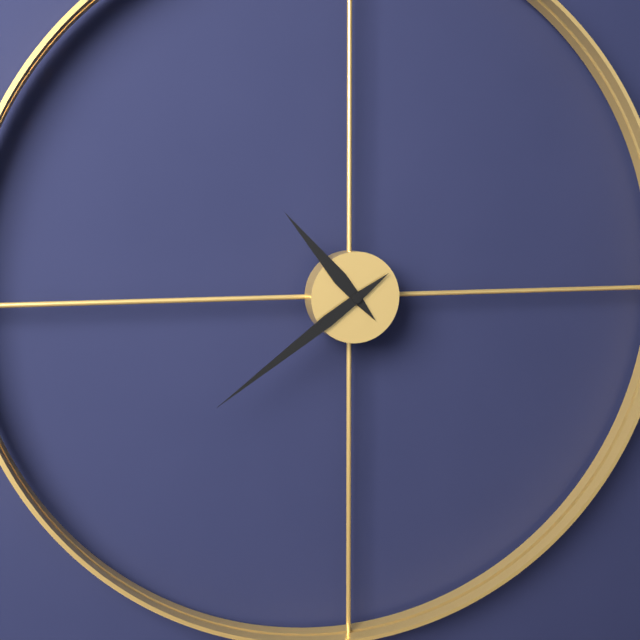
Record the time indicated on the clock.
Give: 10:39
